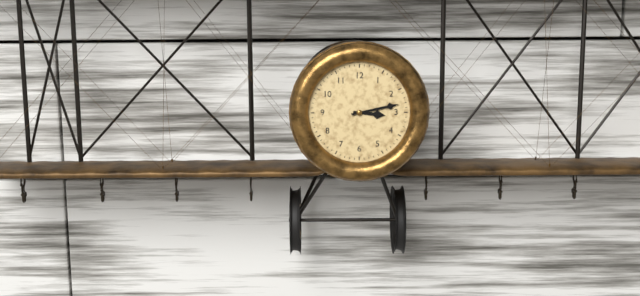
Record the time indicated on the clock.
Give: 3:13
